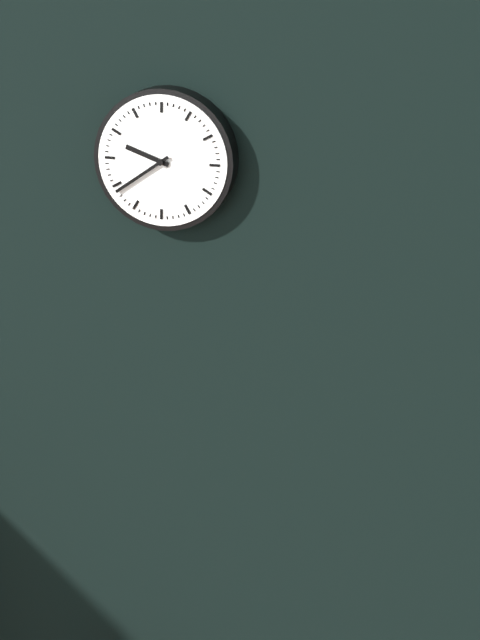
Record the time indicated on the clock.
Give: 9:39
